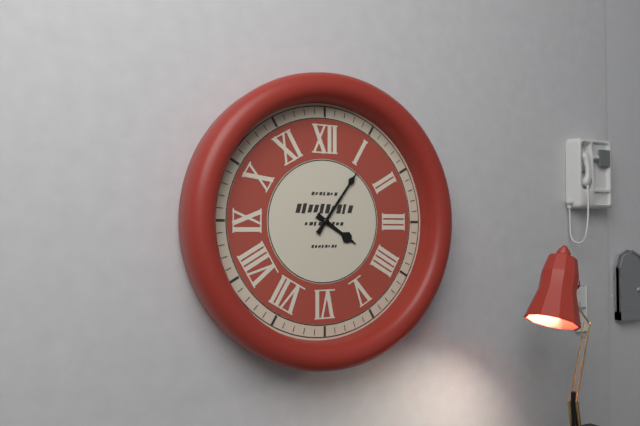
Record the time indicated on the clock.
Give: 4:06
